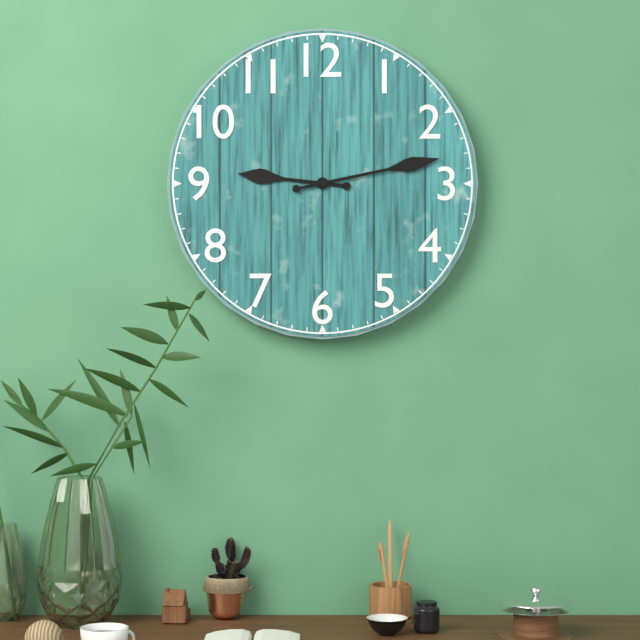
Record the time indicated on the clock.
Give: 9:13
